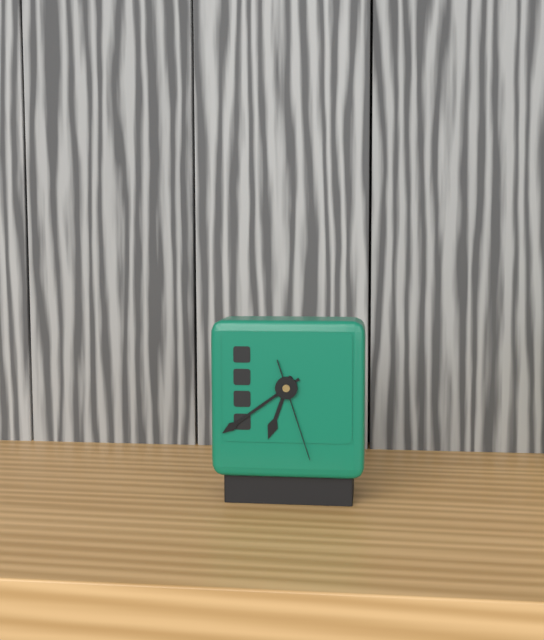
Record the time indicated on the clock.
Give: 6:39:27
